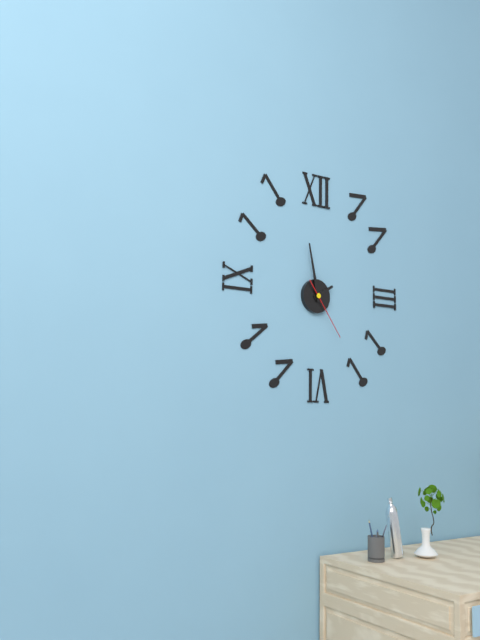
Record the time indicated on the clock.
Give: 1:58:24
